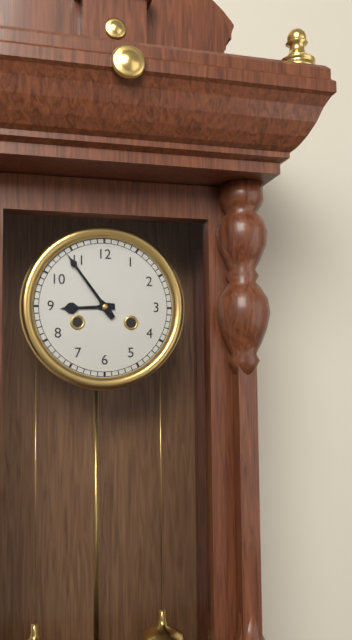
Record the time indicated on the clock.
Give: 8:54
